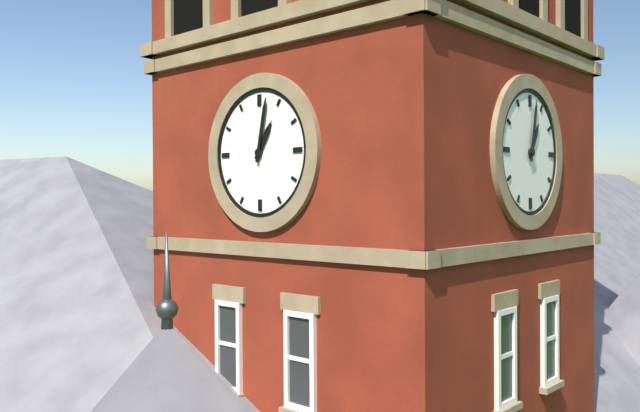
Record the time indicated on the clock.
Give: 1:02
